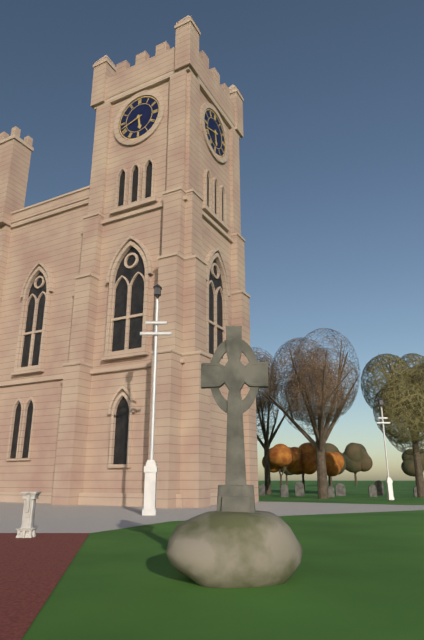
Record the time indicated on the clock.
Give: 5:42
